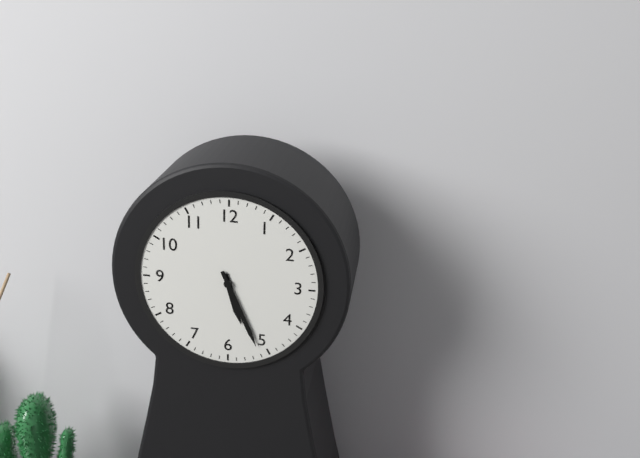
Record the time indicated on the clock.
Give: 5:26
